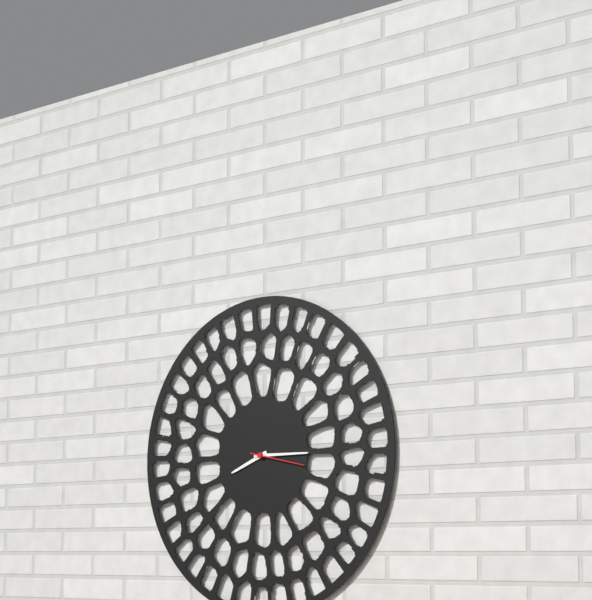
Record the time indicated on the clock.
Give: 8:15:17
